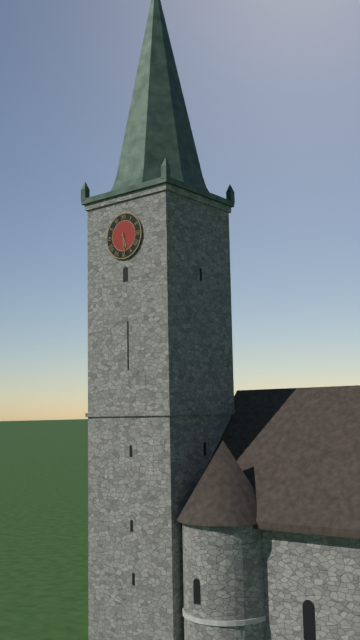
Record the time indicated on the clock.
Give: 5:29
